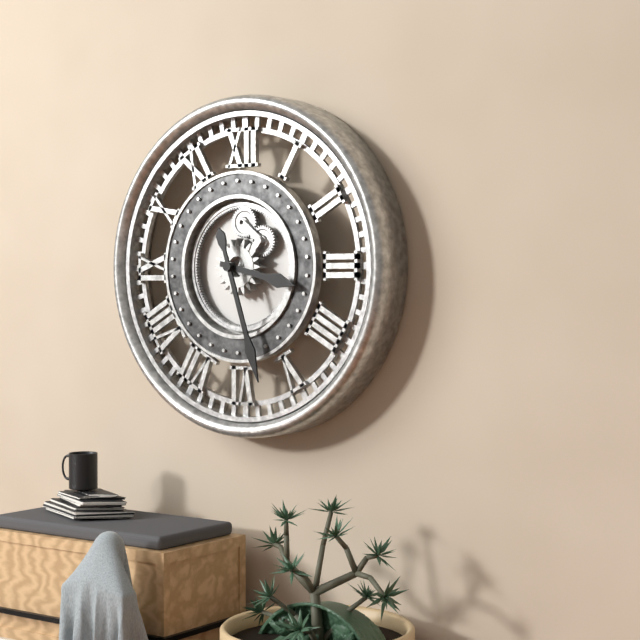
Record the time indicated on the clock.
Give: 3:27
